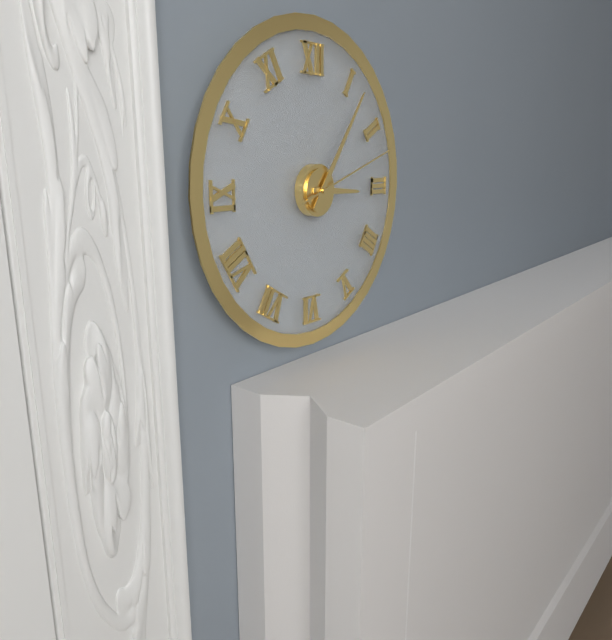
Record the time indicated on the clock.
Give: 3:06:12
